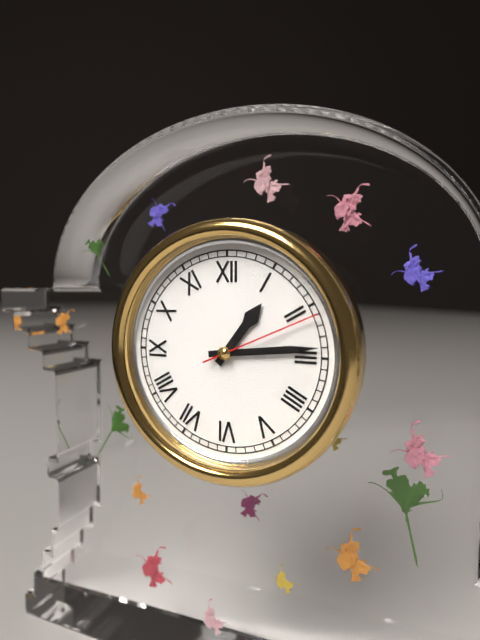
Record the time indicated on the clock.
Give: 1:14:11
